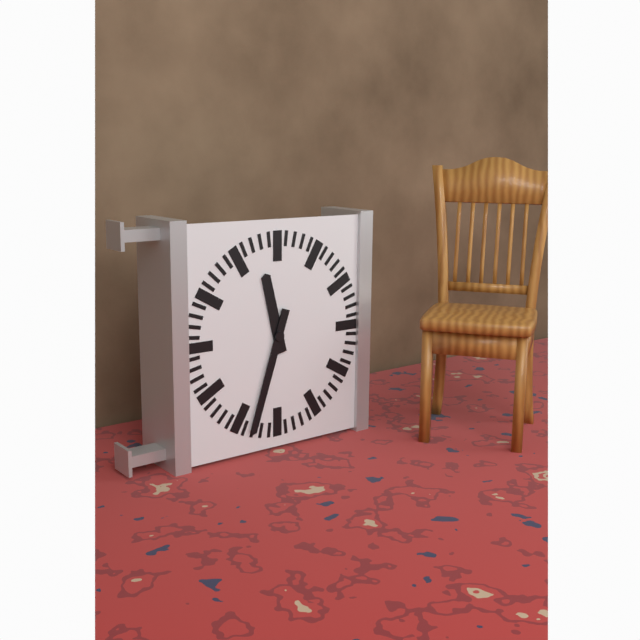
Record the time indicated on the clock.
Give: 11:33
